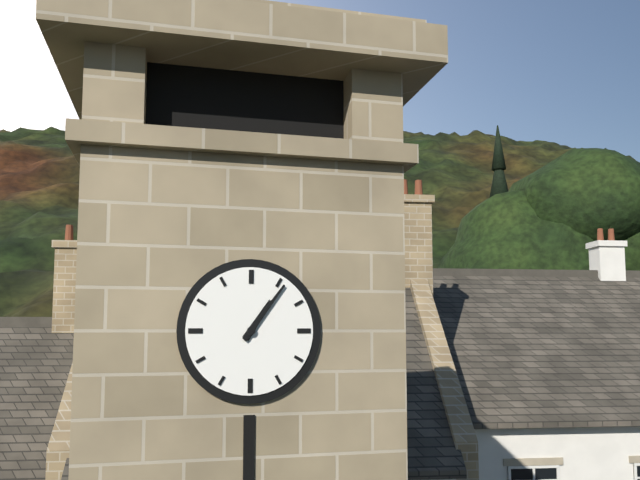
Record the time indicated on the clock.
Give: 1:06
